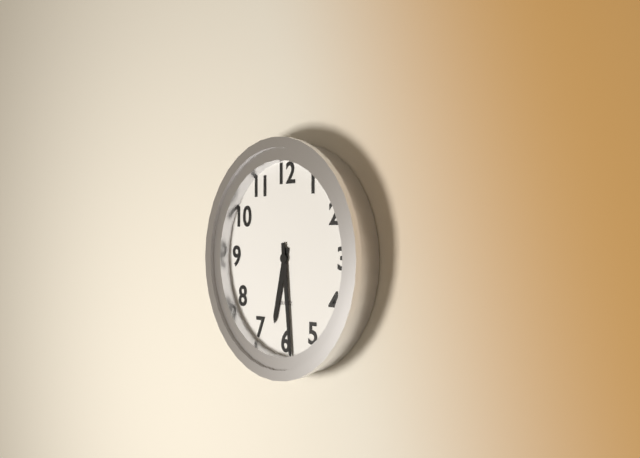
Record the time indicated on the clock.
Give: 6:29
